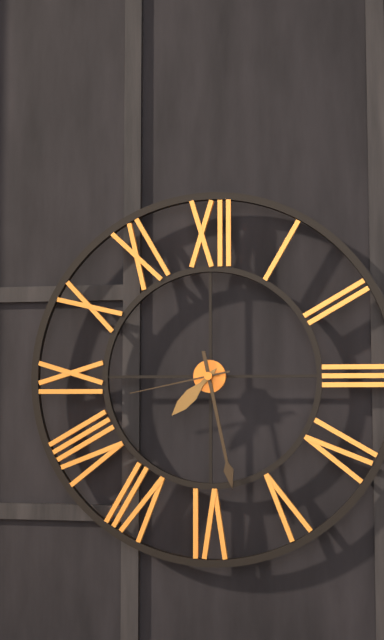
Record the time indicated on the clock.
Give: 7:28:43
